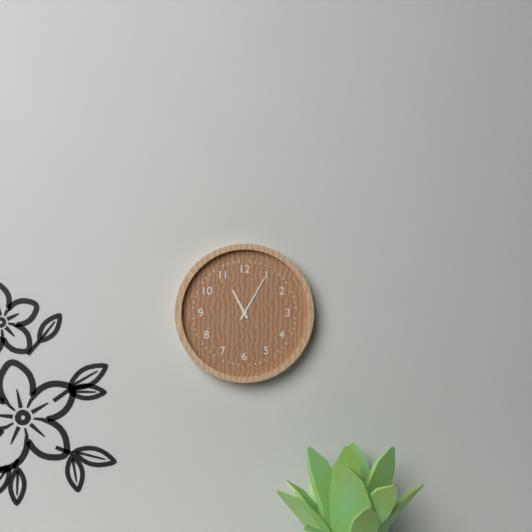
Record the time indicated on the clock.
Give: 11:05
